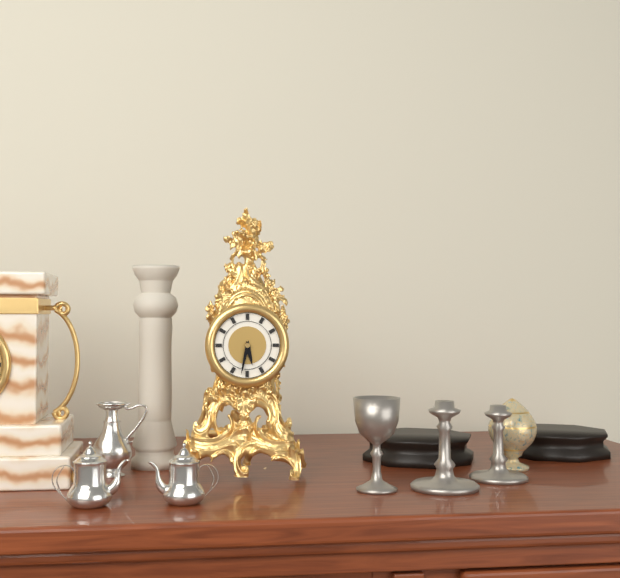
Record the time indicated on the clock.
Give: 5:32
